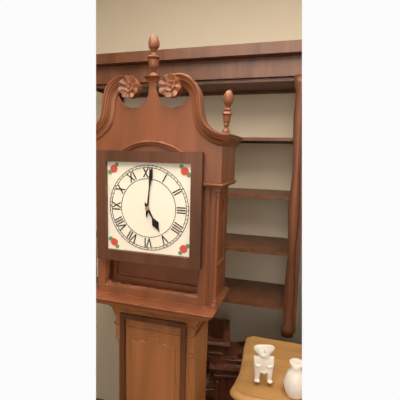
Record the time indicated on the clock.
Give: 5:01
